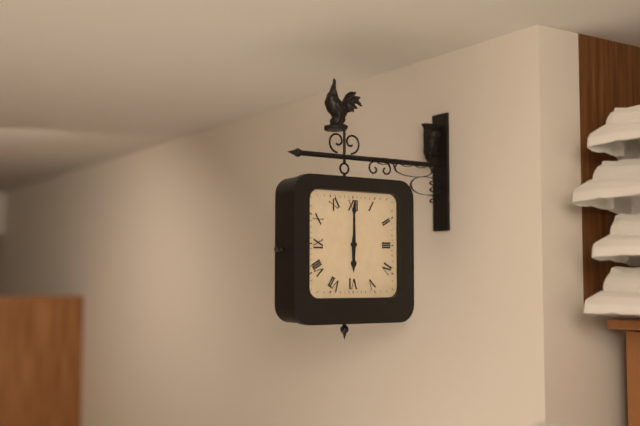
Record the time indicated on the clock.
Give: 6:00
